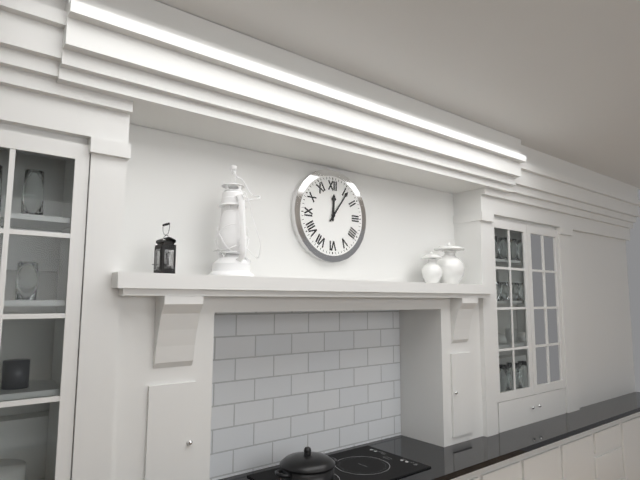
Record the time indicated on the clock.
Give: 12:06
